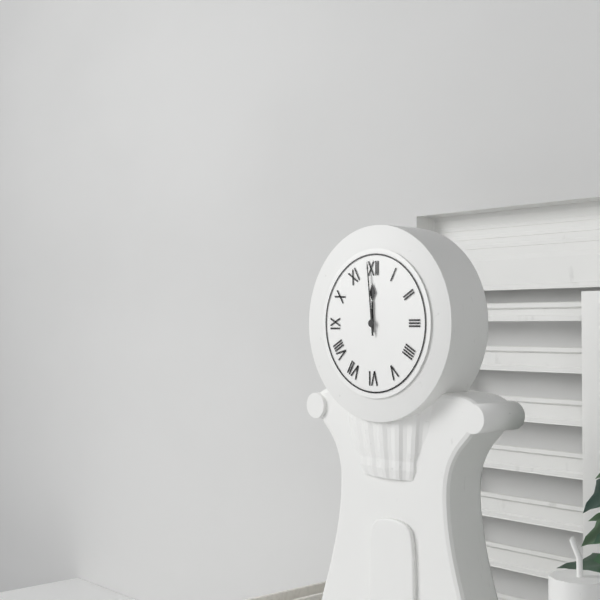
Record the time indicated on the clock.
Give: 11:59
